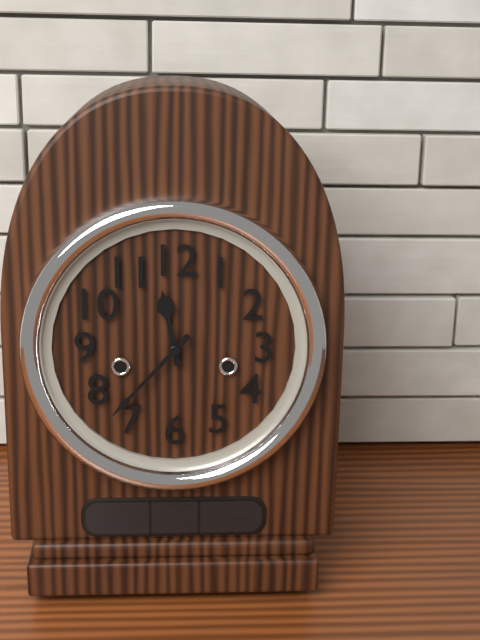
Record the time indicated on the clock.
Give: 11:37
